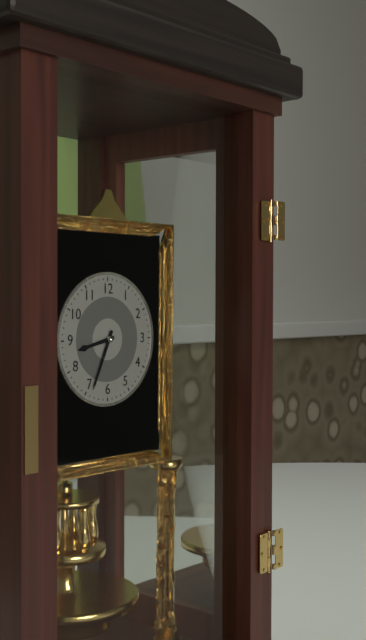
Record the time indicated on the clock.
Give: 8:34
